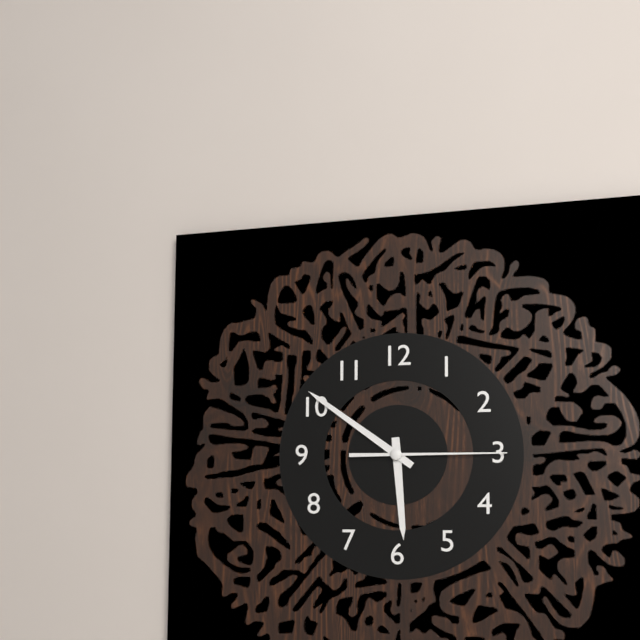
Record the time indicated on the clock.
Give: 5:51:15
